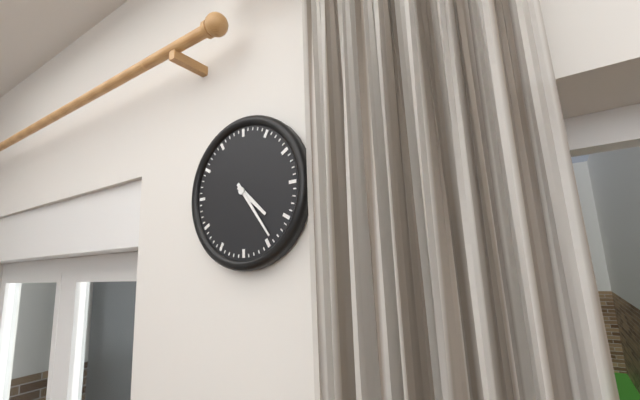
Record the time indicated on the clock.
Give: 4:24
